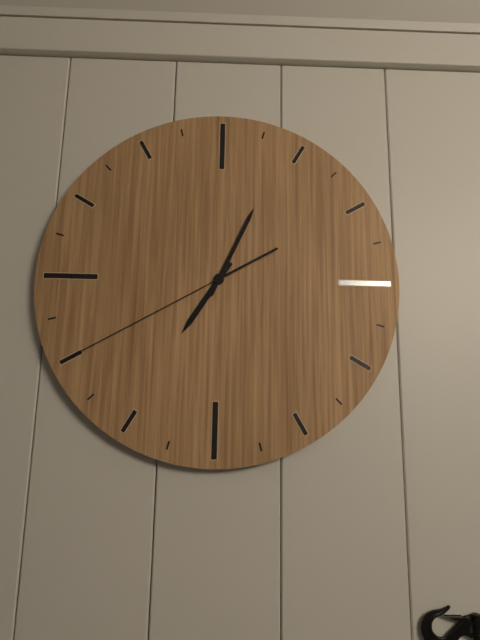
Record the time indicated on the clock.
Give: 7:04:40
